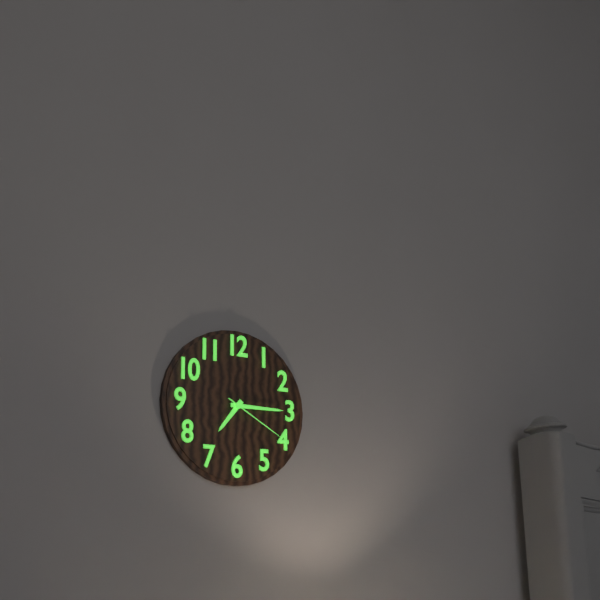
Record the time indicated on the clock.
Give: 7:15:20
